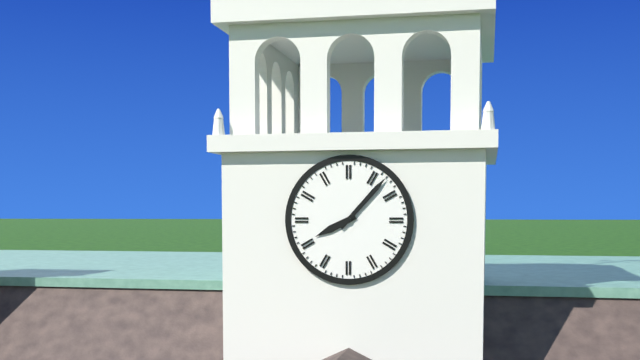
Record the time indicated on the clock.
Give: 8:07
